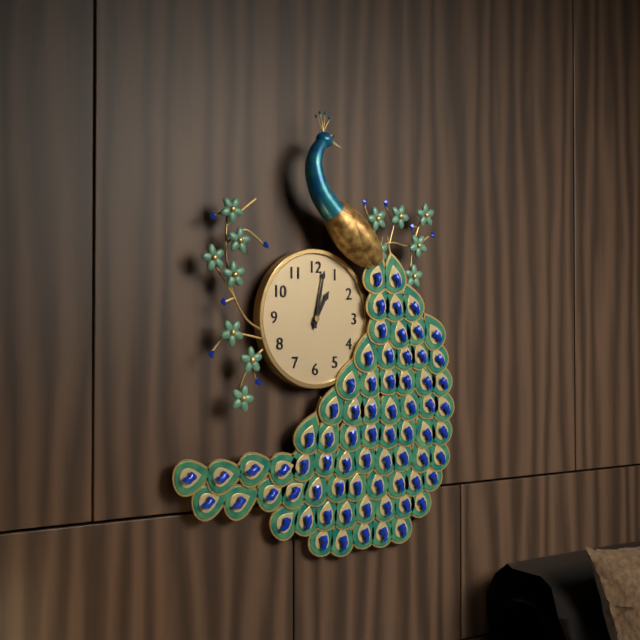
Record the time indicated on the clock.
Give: 1:02
